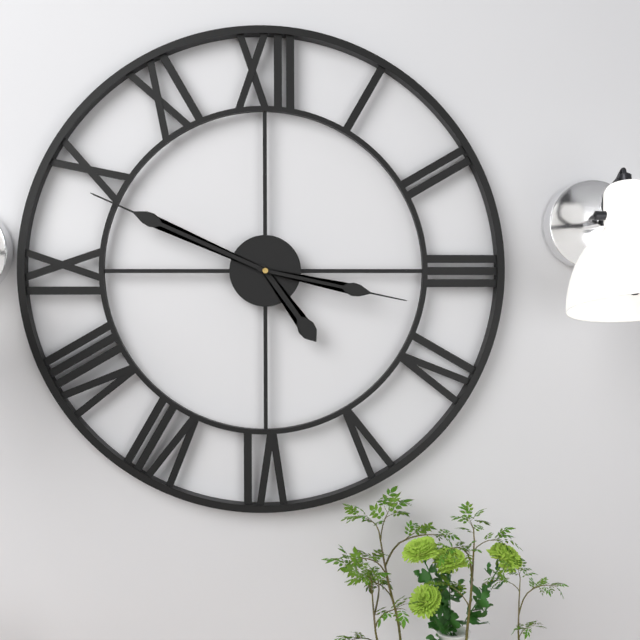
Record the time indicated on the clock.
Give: 4:49:17
